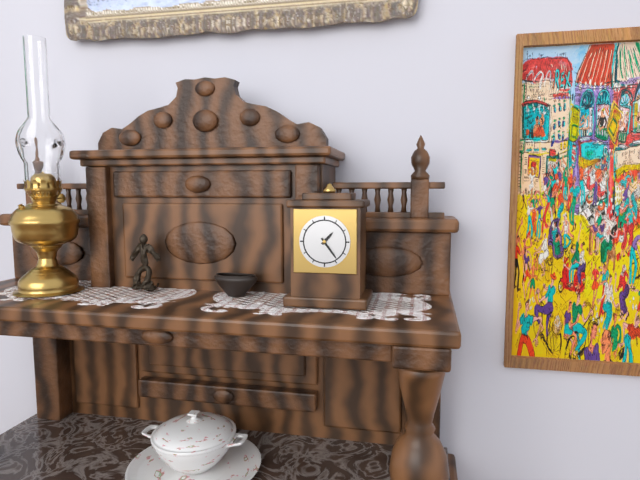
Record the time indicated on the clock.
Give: 1:24
